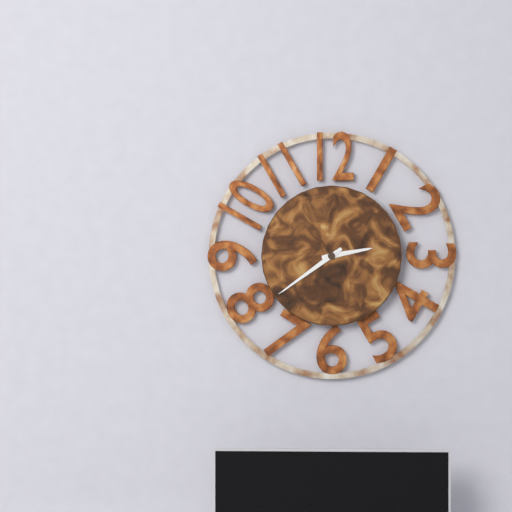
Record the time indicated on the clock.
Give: 2:39
